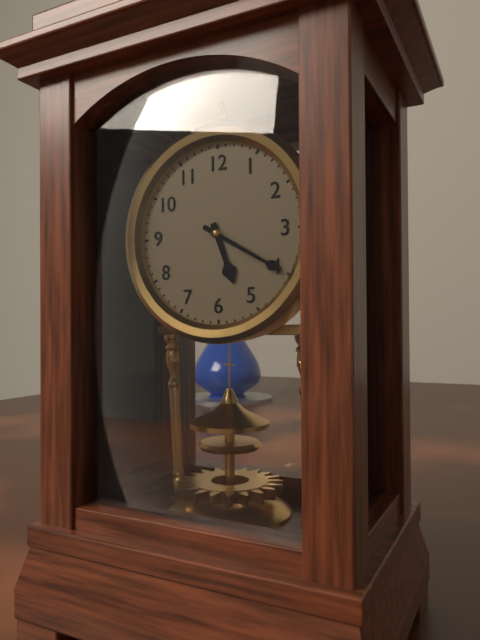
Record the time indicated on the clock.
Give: 5:20
